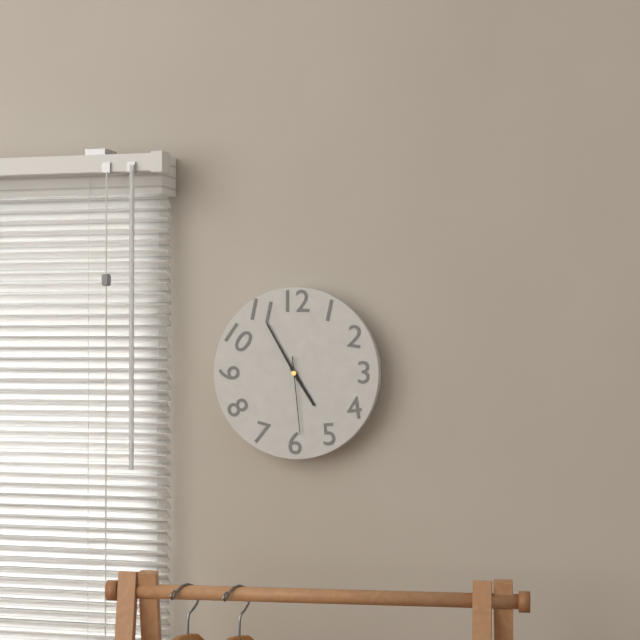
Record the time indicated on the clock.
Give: 4:55:29
